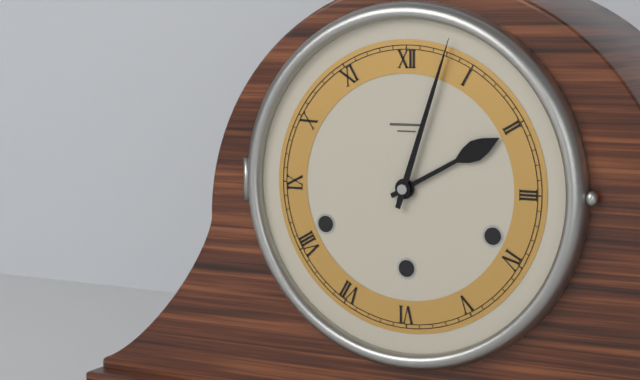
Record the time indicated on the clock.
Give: 2:03
